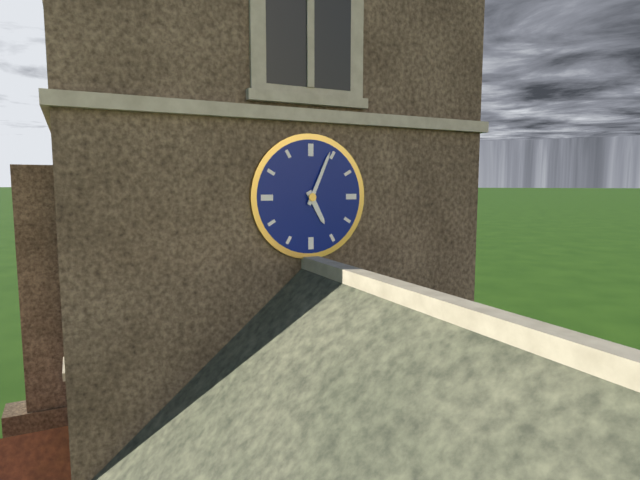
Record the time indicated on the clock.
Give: 5:04
